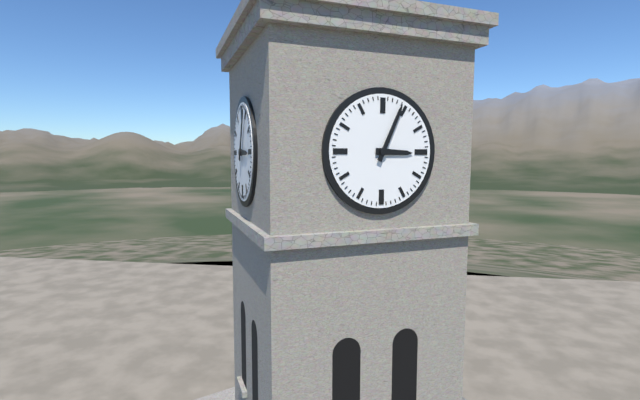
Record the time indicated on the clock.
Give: 3:04
